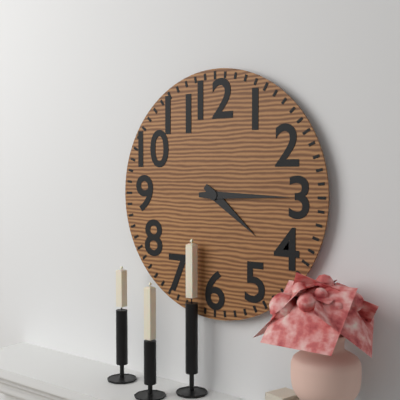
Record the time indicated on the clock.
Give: 4:15
